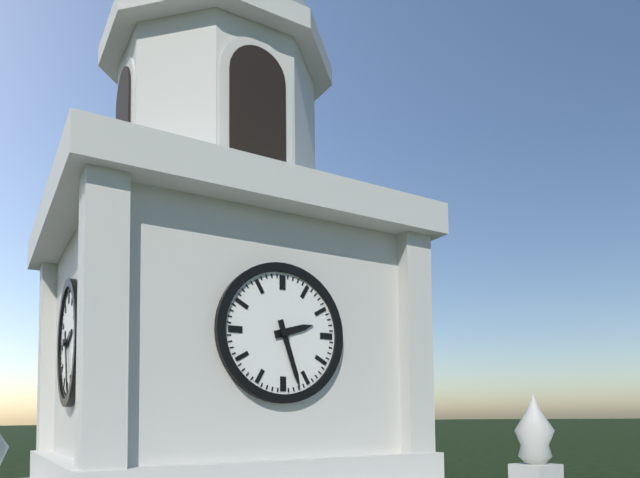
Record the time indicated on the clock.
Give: 2:27
